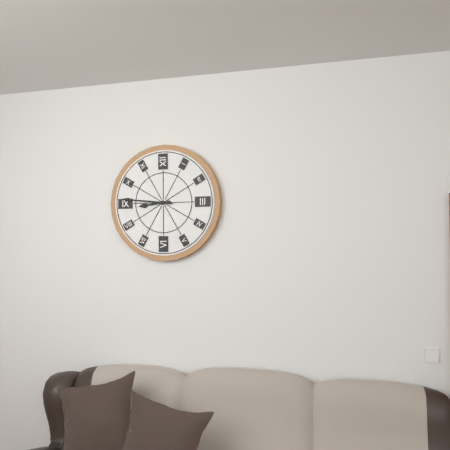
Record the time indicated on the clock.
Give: 8:46
